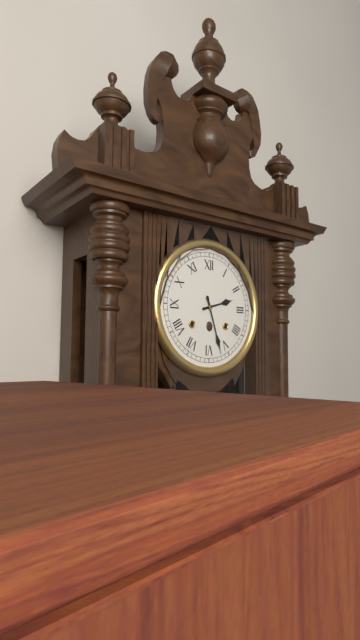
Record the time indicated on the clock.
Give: 2:27
